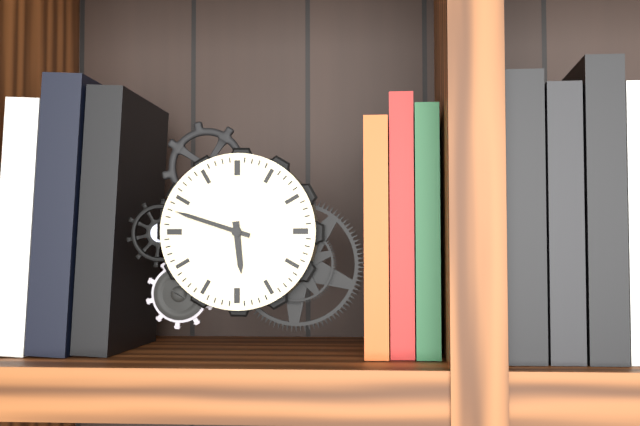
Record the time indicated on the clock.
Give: 5:48
